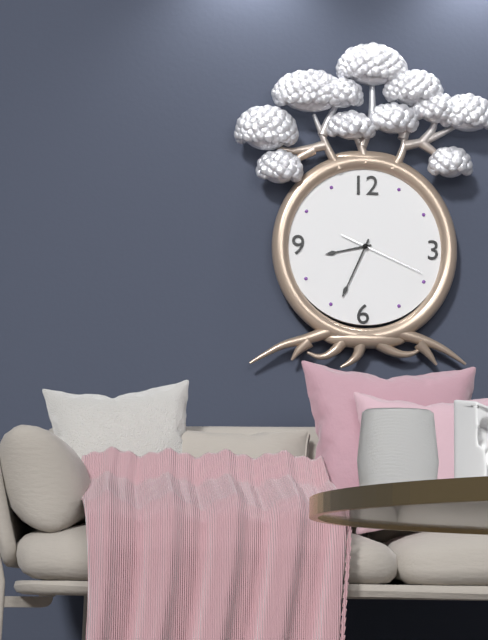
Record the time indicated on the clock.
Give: 8:34:19
